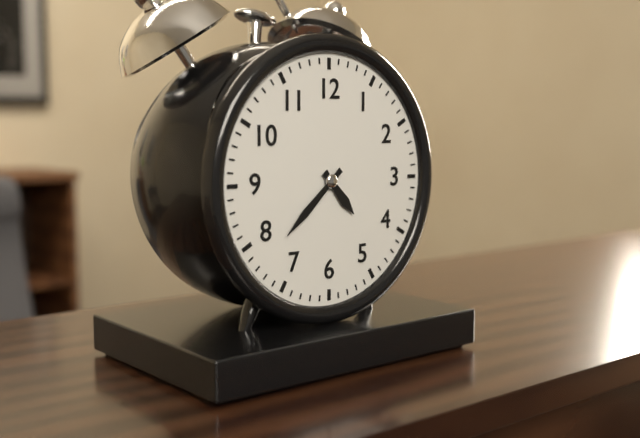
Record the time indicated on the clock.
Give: 4:38
